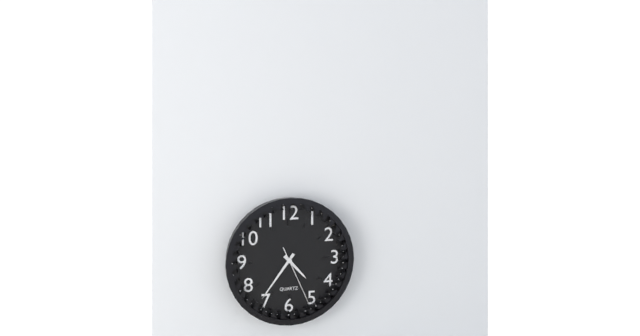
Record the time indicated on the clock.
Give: 4:36:26
